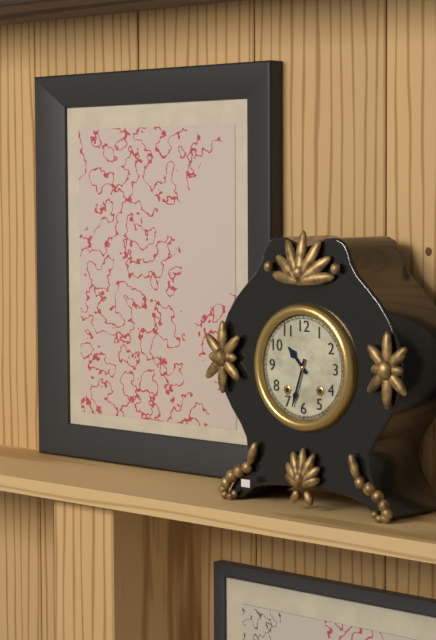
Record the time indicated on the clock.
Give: 10:33
